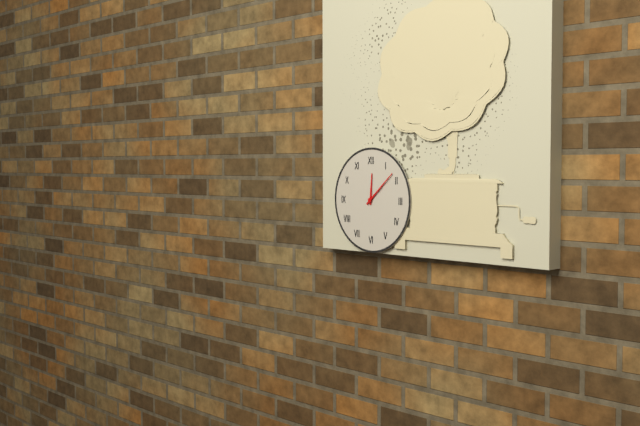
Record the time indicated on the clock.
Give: 12:08
